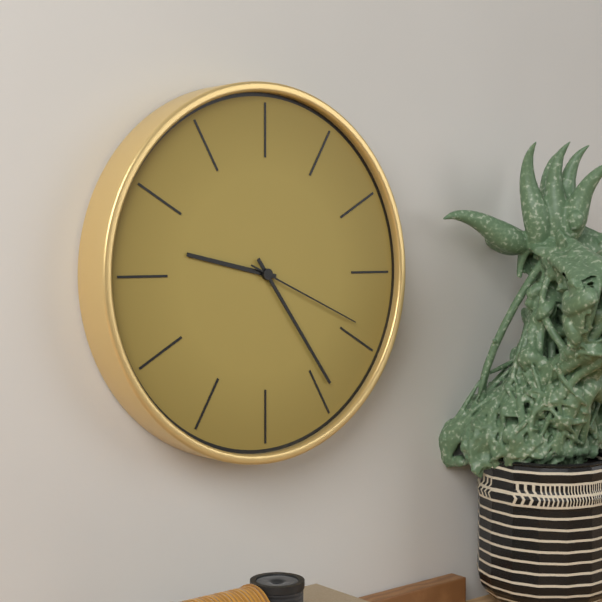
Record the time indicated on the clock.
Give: 9:24:19
